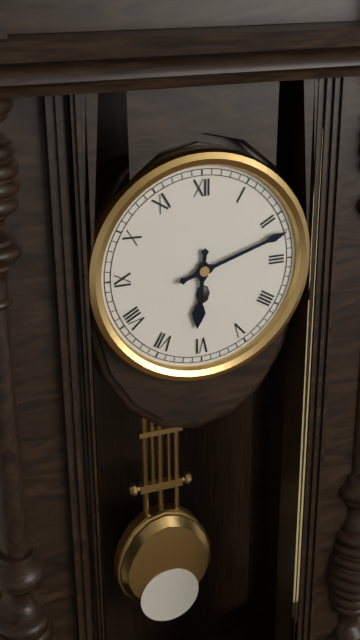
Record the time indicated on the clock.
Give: 6:12
